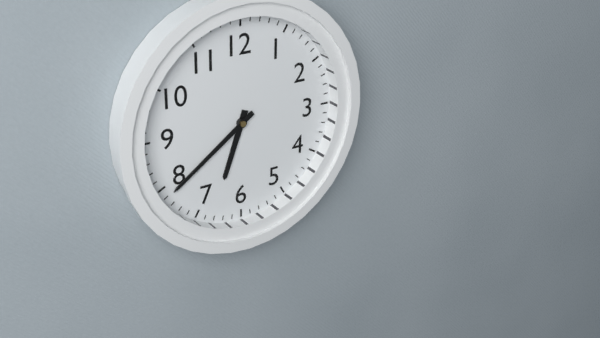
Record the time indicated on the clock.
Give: 6:39
